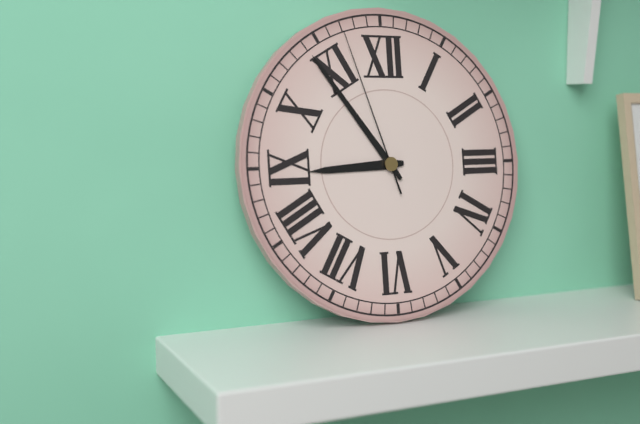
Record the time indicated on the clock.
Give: 8:54:57
